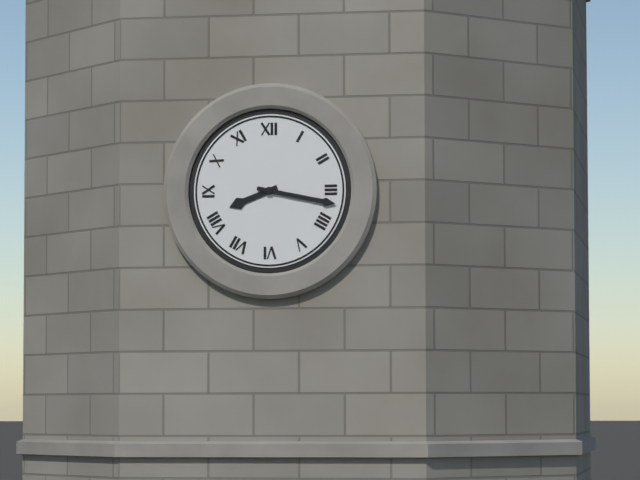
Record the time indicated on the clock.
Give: 8:17
